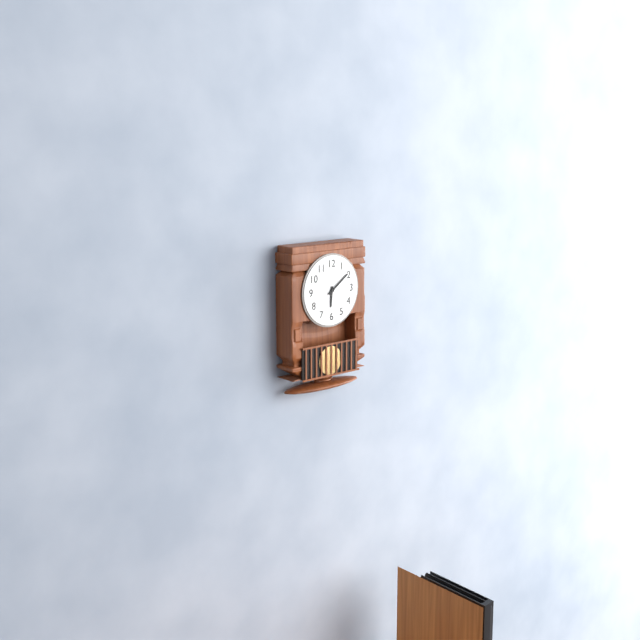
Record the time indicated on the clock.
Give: 6:09
